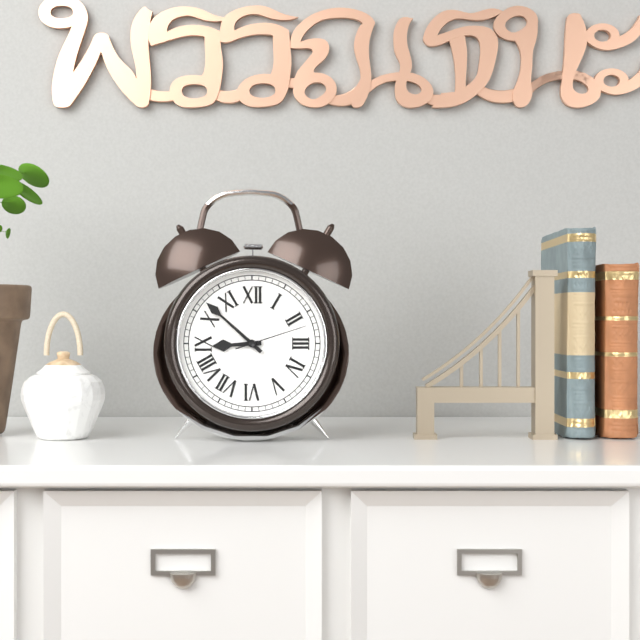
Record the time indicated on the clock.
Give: 8:52:12
